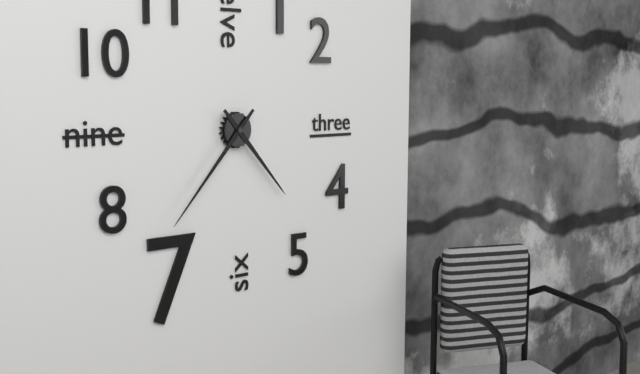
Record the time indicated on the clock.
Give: 4:37
